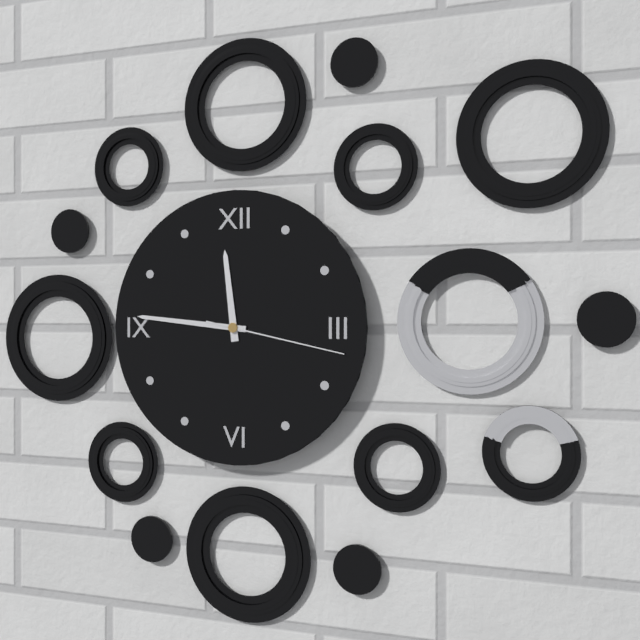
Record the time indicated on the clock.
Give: 11:46:17
